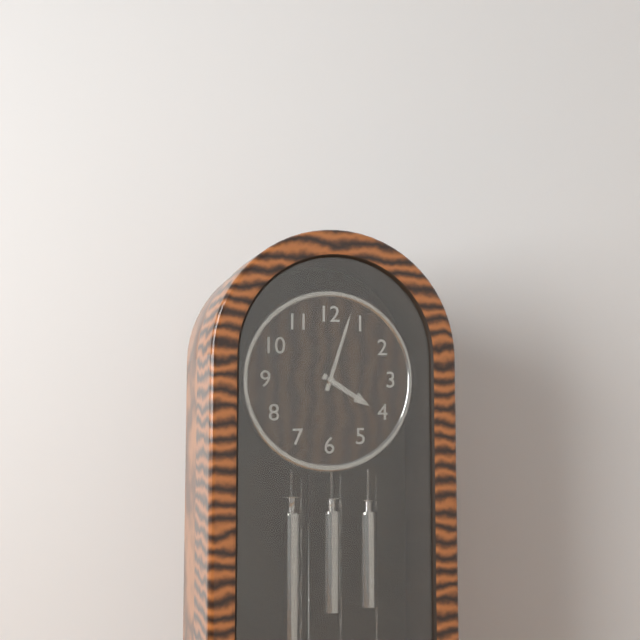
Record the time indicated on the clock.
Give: 4:03
